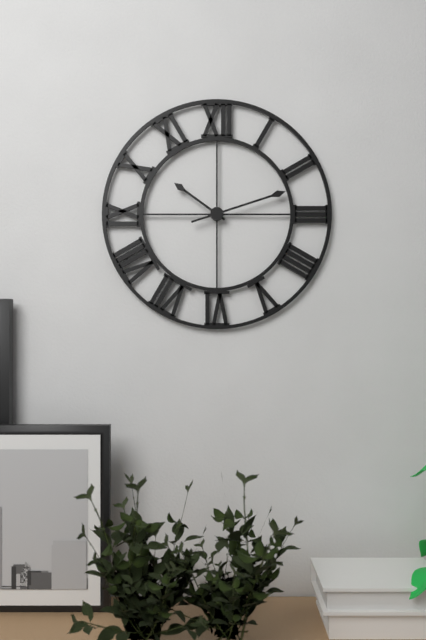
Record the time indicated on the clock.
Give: 10:12
